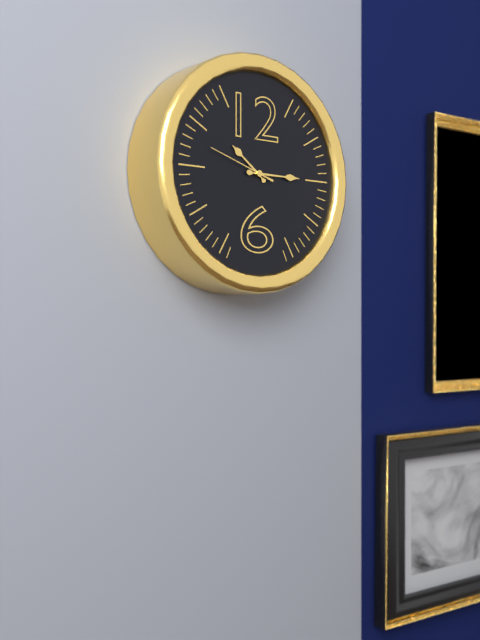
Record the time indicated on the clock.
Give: 10:15
